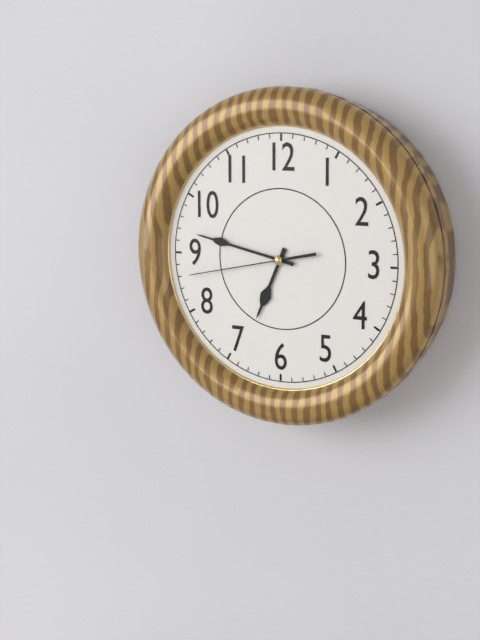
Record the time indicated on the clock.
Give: 6:47:43
